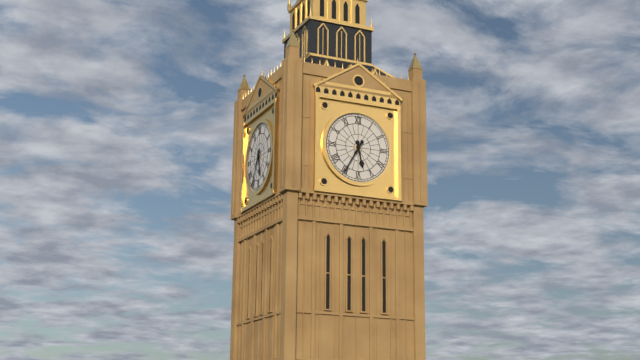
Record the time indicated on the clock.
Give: 5:35
